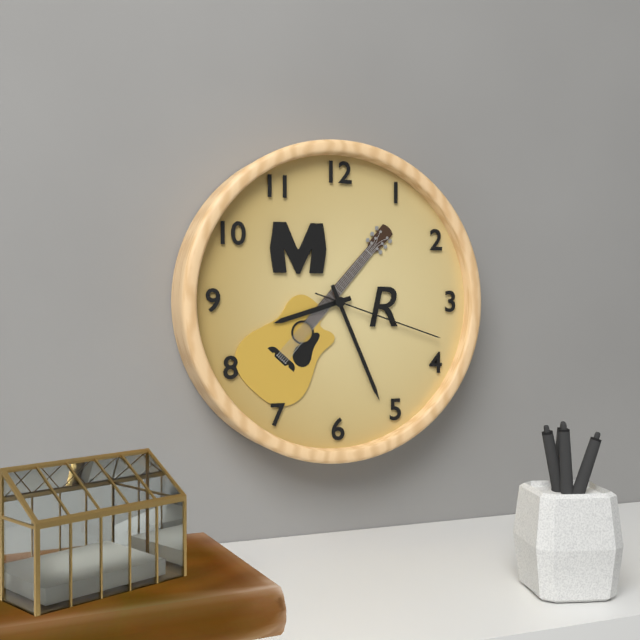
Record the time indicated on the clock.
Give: 8:26:18
